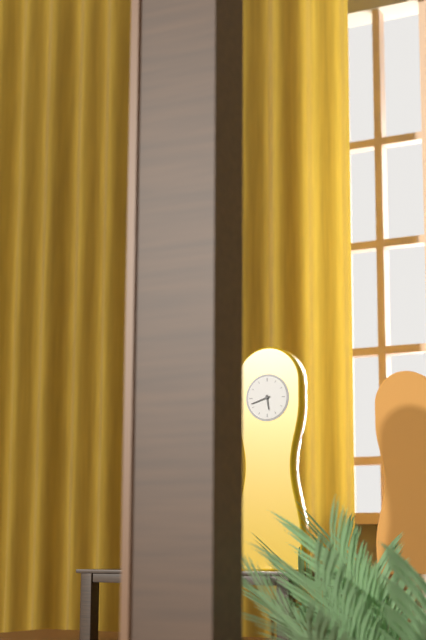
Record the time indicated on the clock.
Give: 5:42
